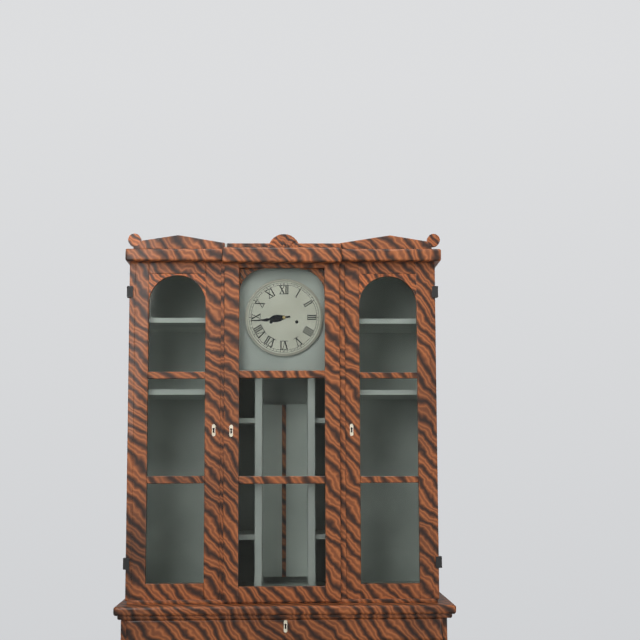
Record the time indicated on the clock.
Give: 8:44
